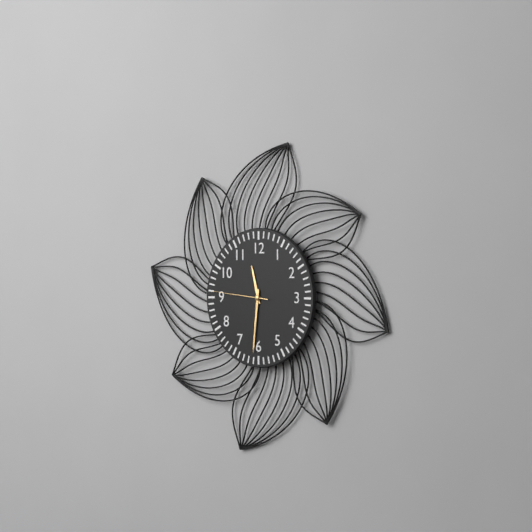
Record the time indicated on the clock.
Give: 11:31:46
